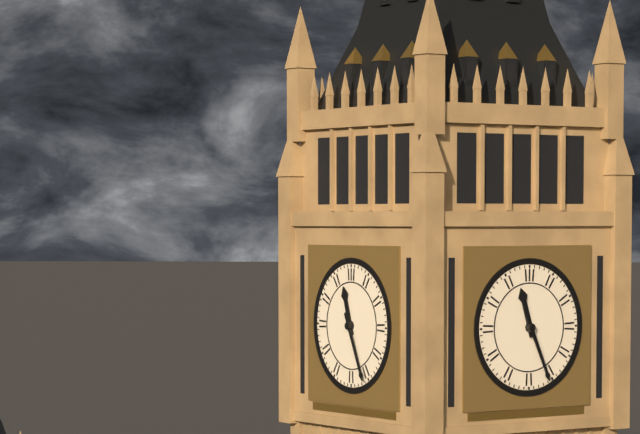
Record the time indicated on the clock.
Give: 11:26
